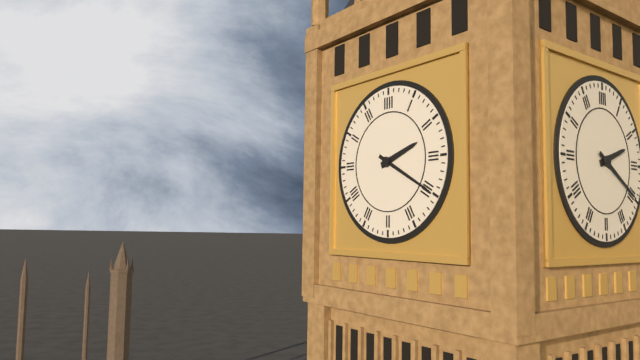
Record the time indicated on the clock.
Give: 2:20
